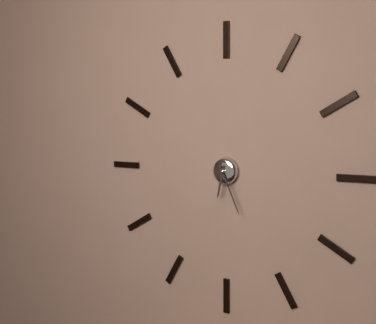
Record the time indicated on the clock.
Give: 6:26
